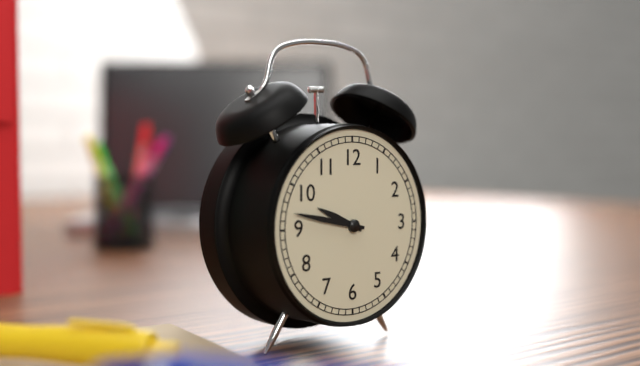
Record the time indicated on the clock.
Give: 9:47
